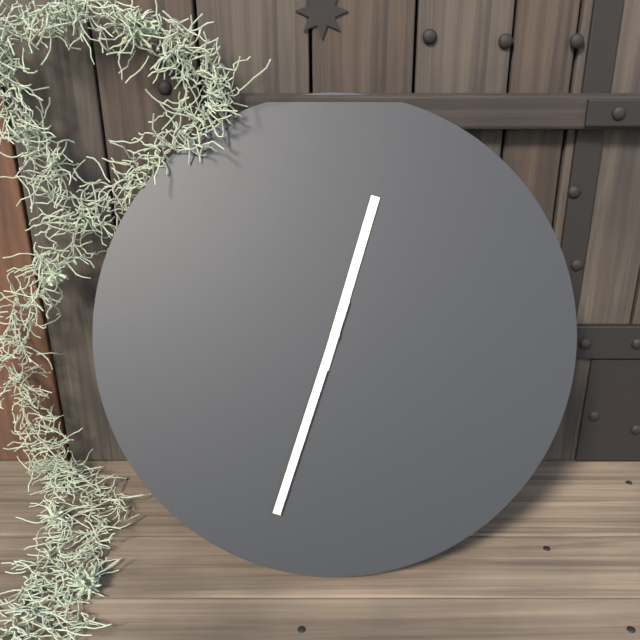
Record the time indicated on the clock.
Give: 12:33
